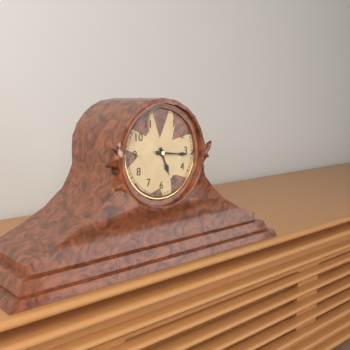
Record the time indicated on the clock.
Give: 5:16
